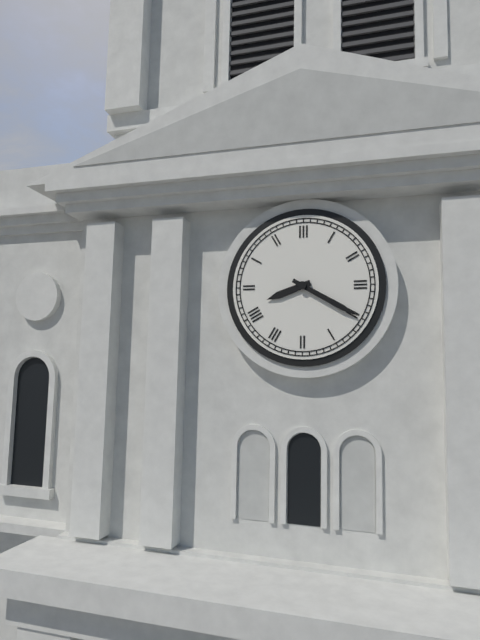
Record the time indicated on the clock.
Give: 8:20
